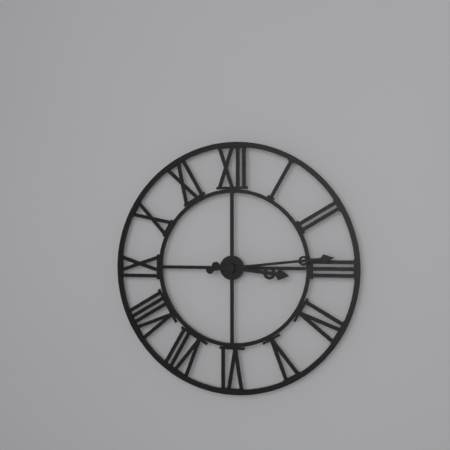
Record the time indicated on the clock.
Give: 3:14
